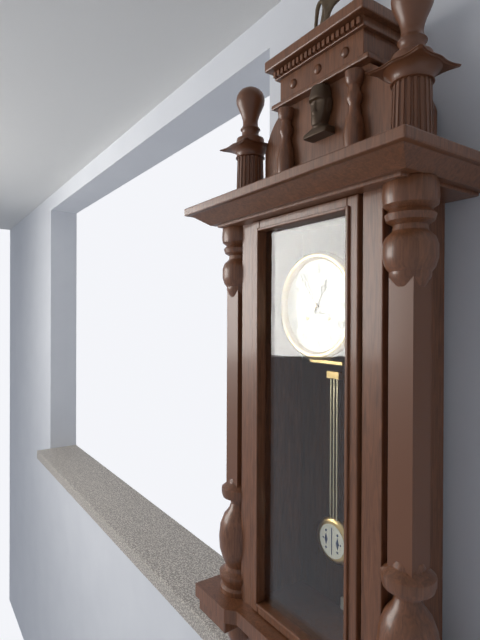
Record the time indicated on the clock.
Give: 12:54
